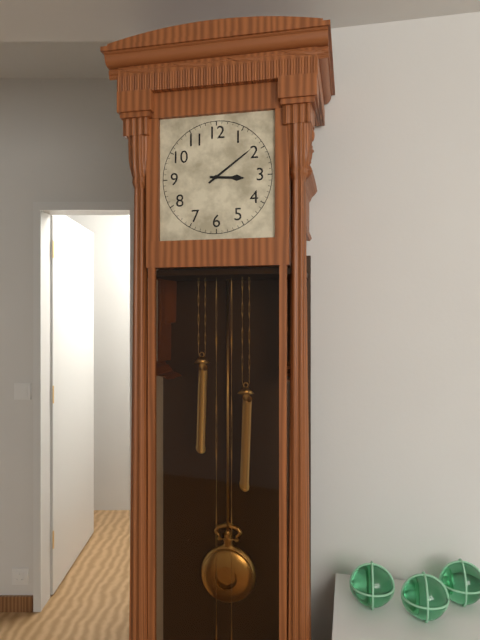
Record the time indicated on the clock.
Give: 3:09
